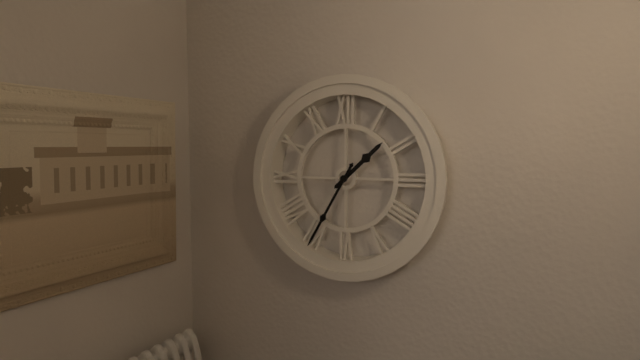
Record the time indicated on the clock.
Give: 1:35
